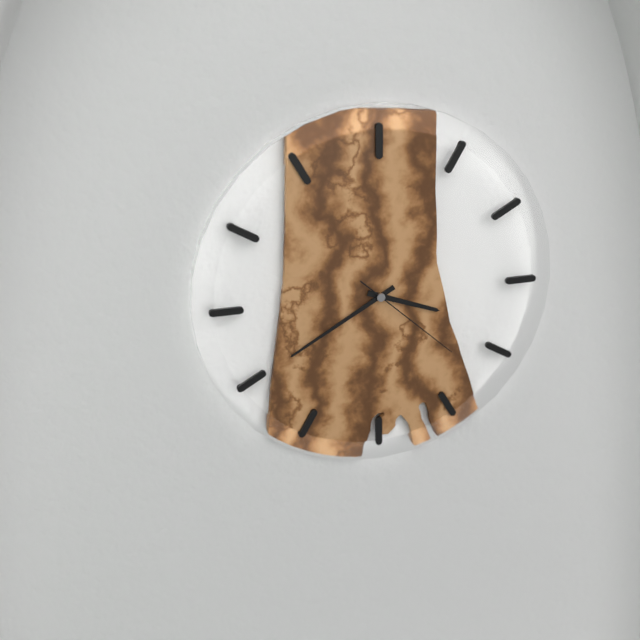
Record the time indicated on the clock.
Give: 3:40:22
